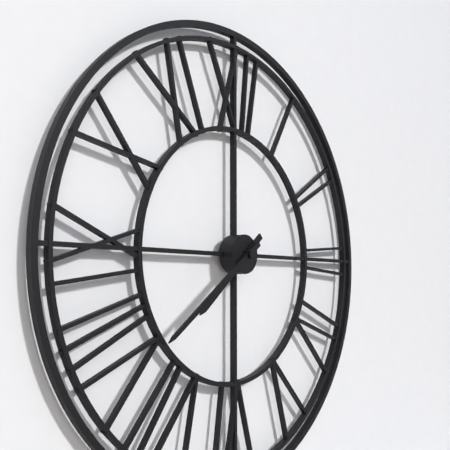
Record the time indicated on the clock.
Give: 7:39
